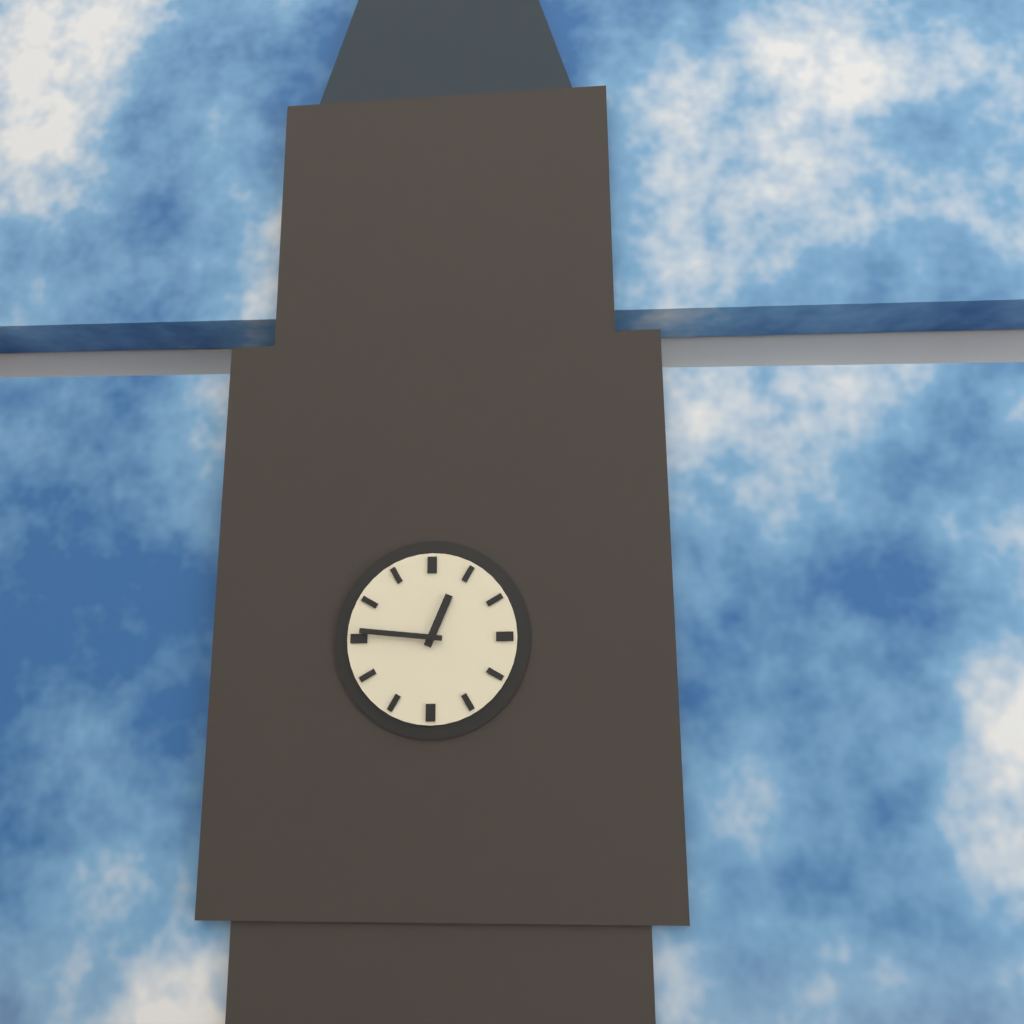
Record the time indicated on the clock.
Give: 12:46
